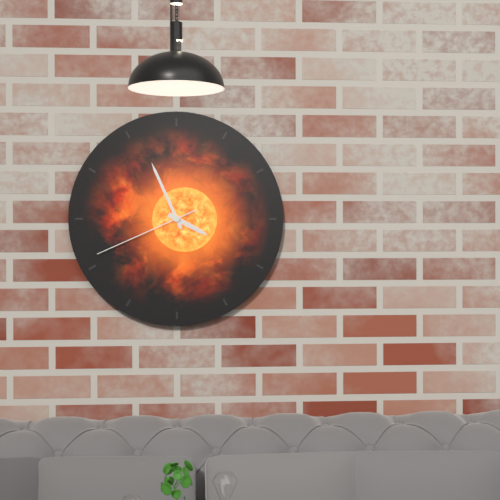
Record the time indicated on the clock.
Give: 3:56:41
